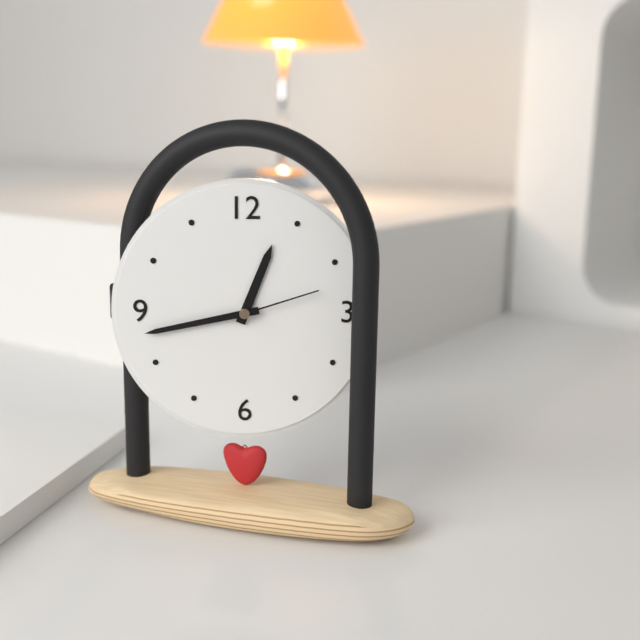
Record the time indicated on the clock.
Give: 12:43:12
